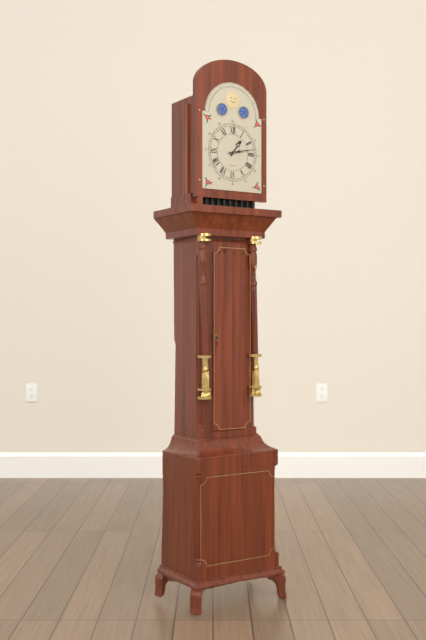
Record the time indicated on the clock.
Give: 1:13
